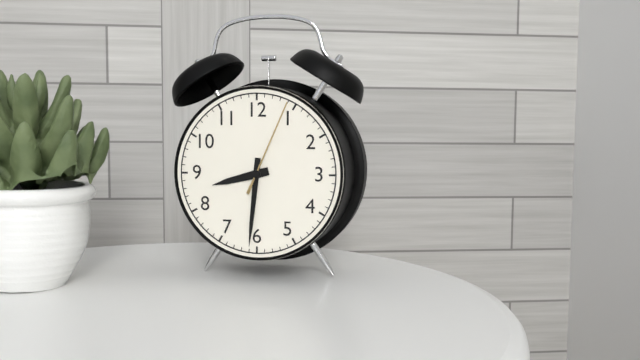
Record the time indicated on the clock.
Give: 8:31:04
